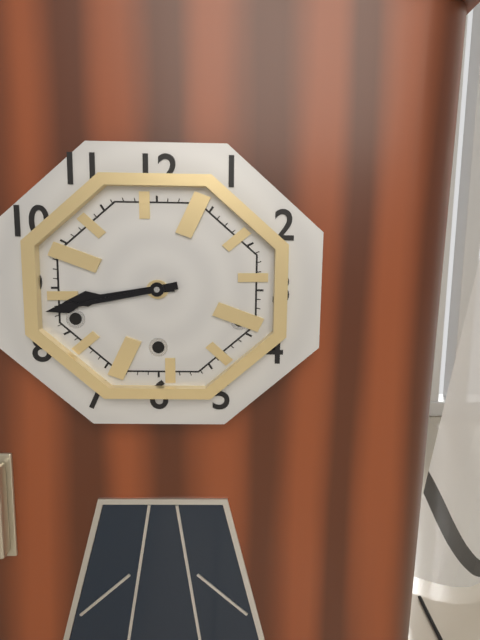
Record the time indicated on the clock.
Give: 8:43
